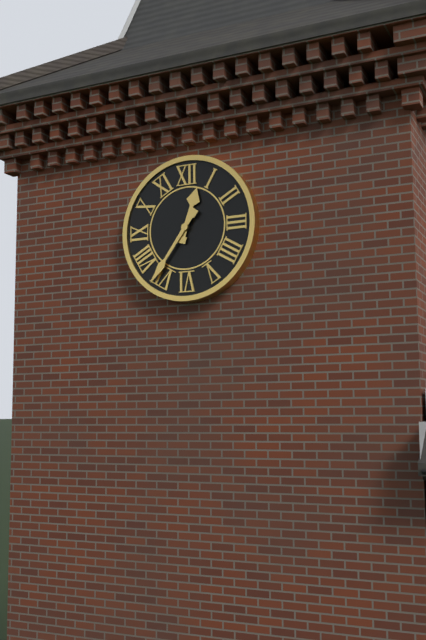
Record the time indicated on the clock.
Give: 12:36
